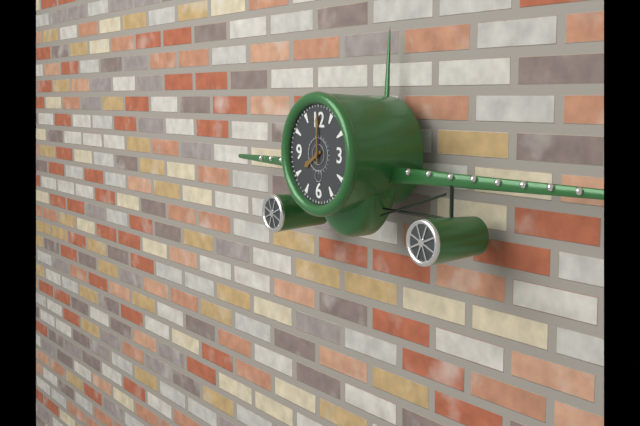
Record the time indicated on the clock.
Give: 8:00
